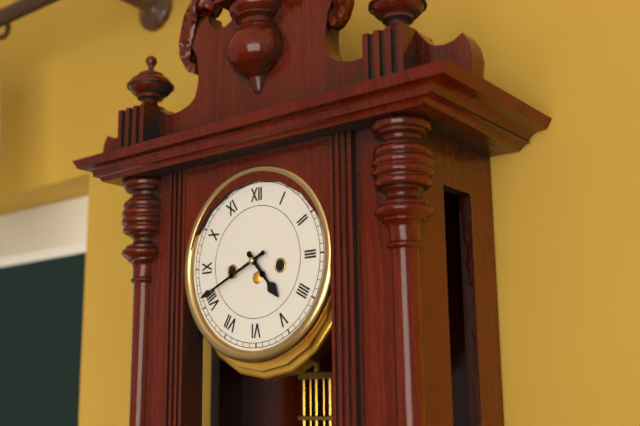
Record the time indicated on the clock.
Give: 4:41
